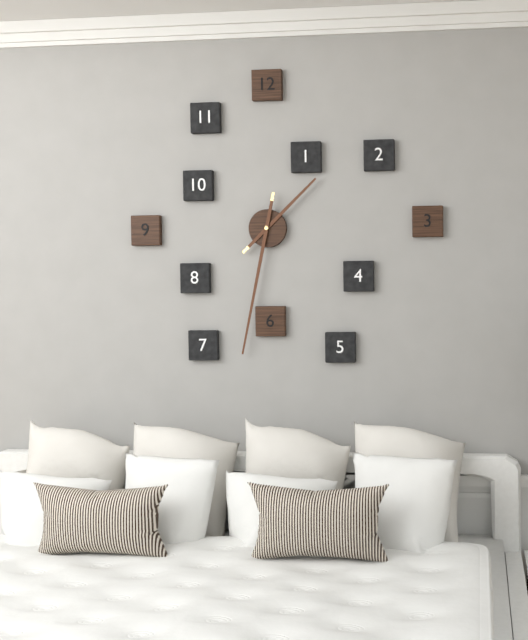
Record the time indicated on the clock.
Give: 1:32
